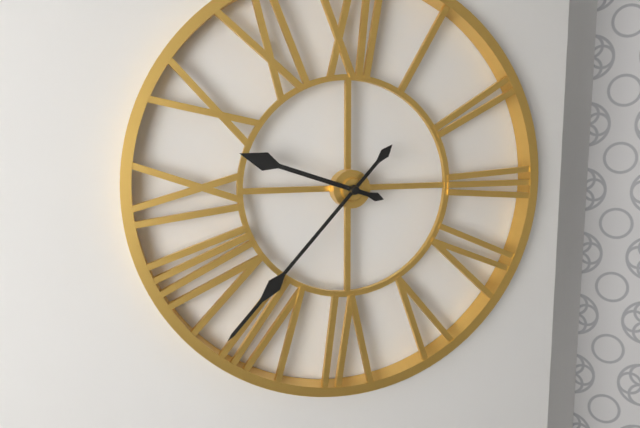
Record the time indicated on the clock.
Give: 9:37
